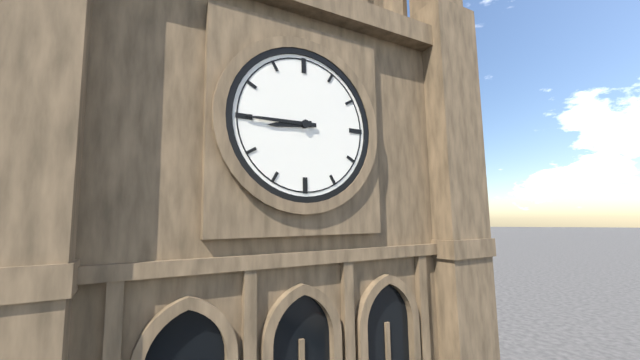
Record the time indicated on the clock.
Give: 8:45
